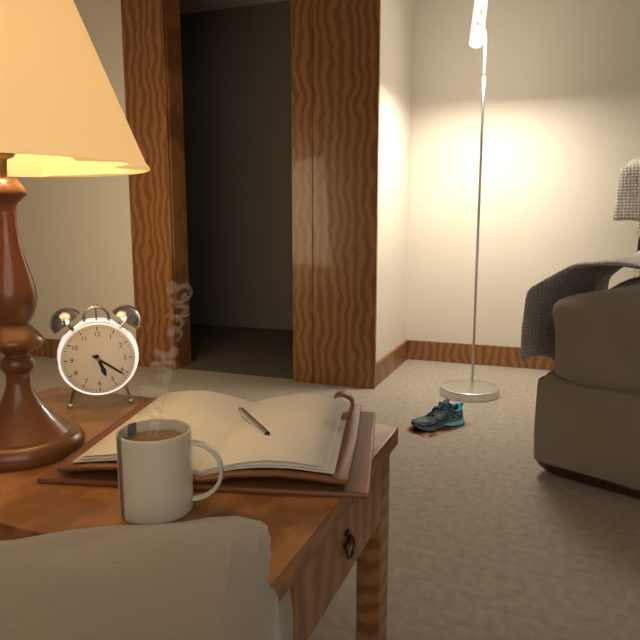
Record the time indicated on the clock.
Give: 5:21
